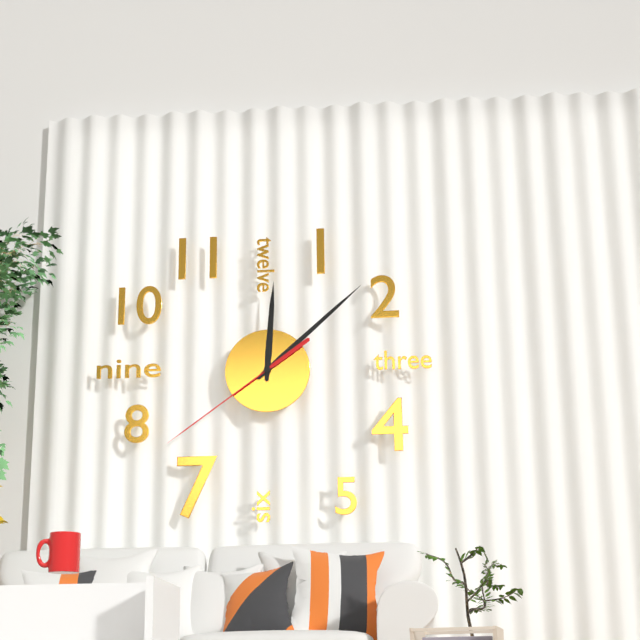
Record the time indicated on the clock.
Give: 12:08:39
